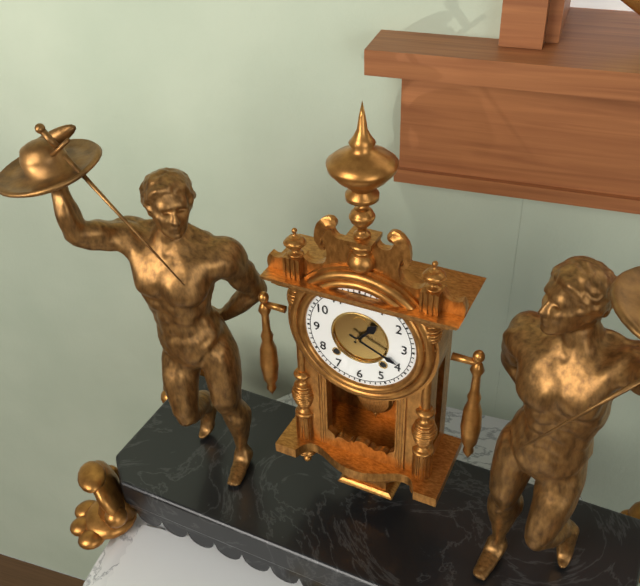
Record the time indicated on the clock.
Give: 1:19
